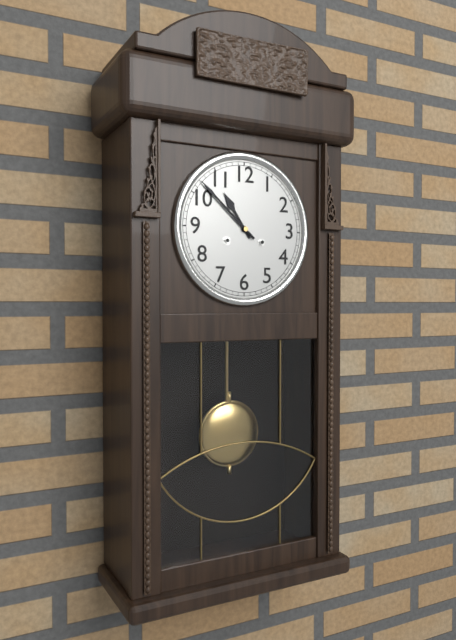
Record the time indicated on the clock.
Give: 10:52
